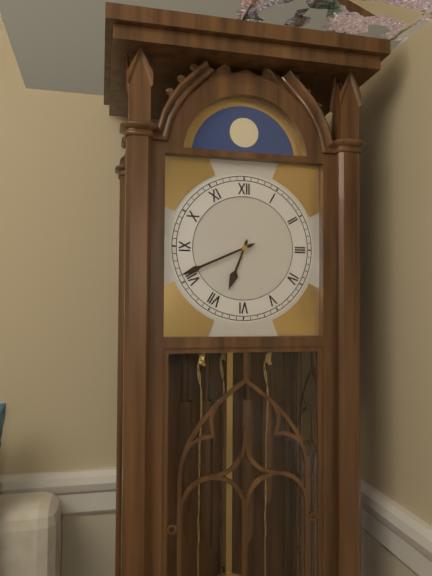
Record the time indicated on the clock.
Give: 6:41
